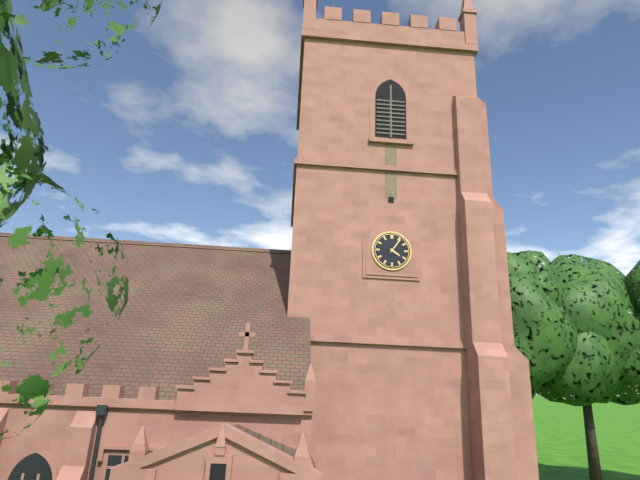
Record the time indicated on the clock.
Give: 4:06
